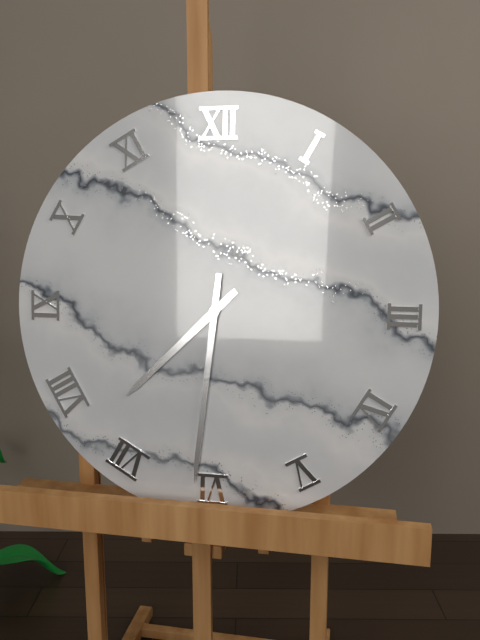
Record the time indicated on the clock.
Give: 7:31
